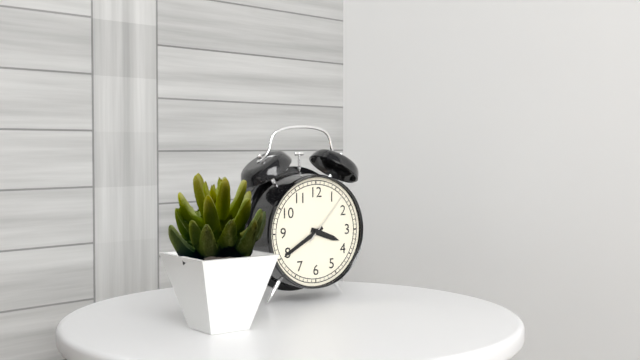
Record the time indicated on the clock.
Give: 3:40:07
